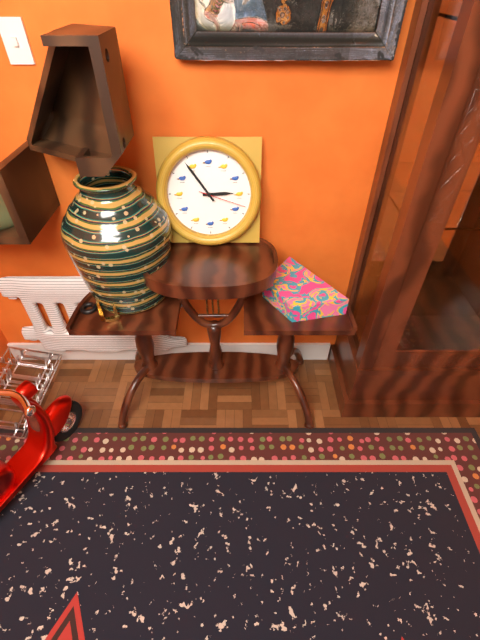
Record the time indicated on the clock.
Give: 2:54
